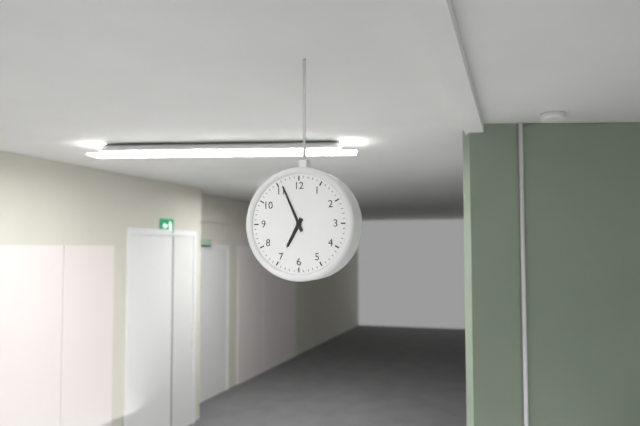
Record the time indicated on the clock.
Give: 6:56
